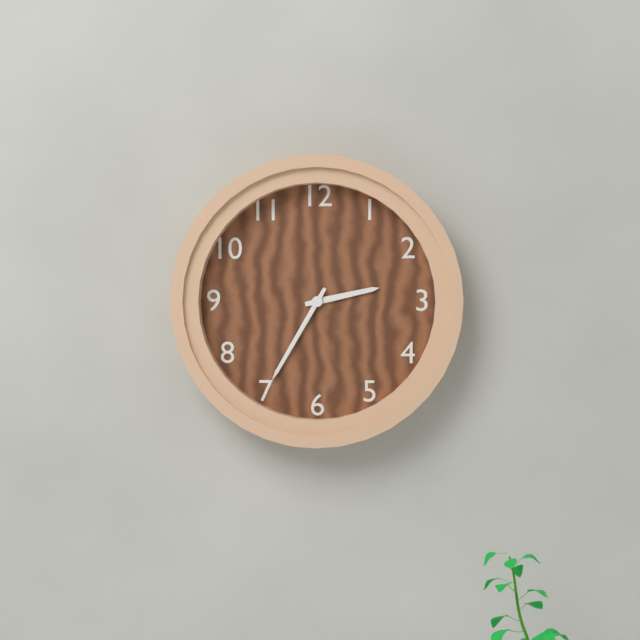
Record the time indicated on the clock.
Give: 2:35
